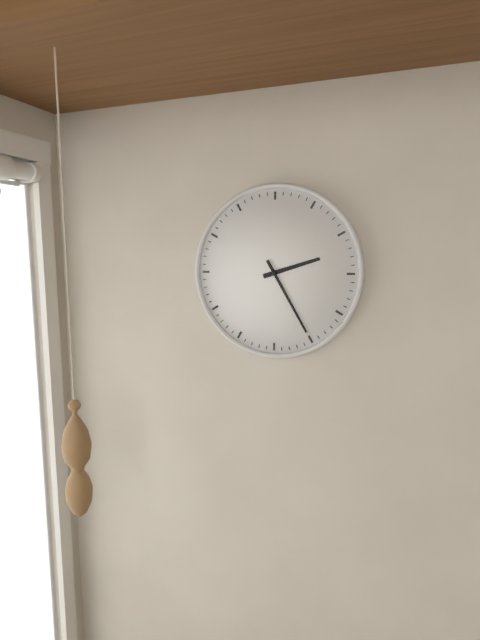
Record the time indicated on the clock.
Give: 2:25
